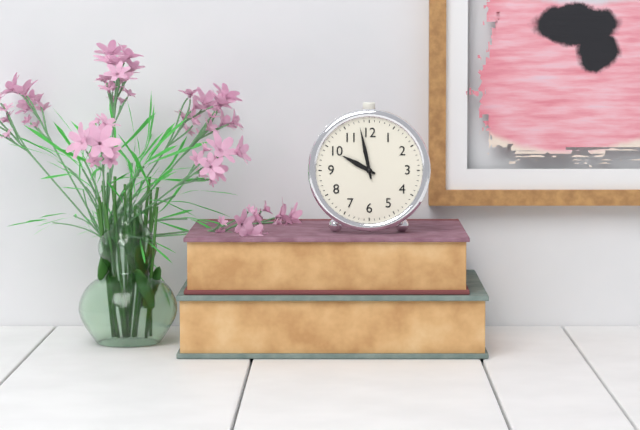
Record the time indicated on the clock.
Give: 9:58
